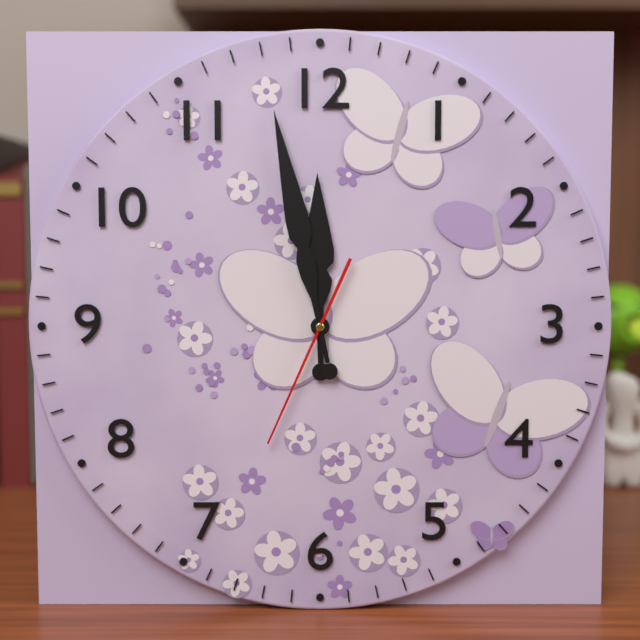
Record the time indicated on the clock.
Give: 11:58:34
